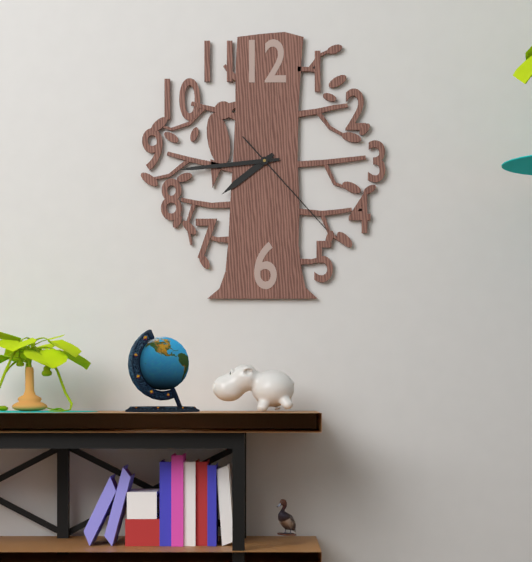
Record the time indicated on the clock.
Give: 7:44:23
